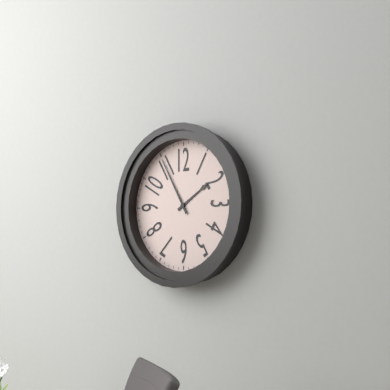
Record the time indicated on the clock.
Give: 1:55
